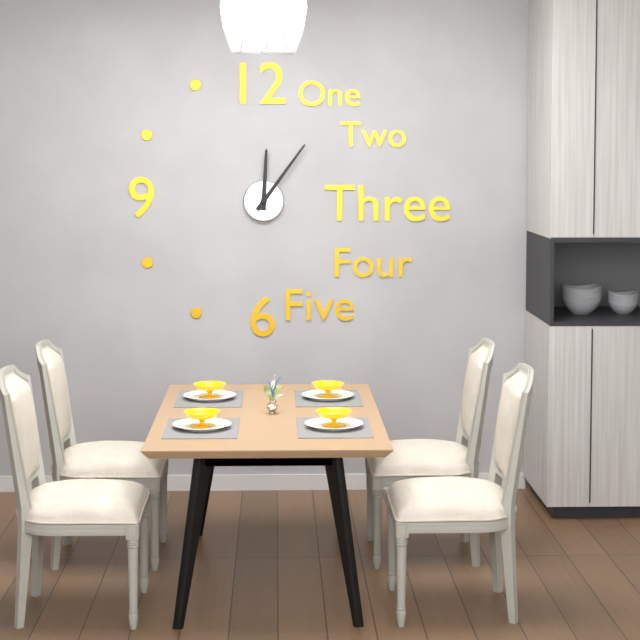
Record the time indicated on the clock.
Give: 12:06
